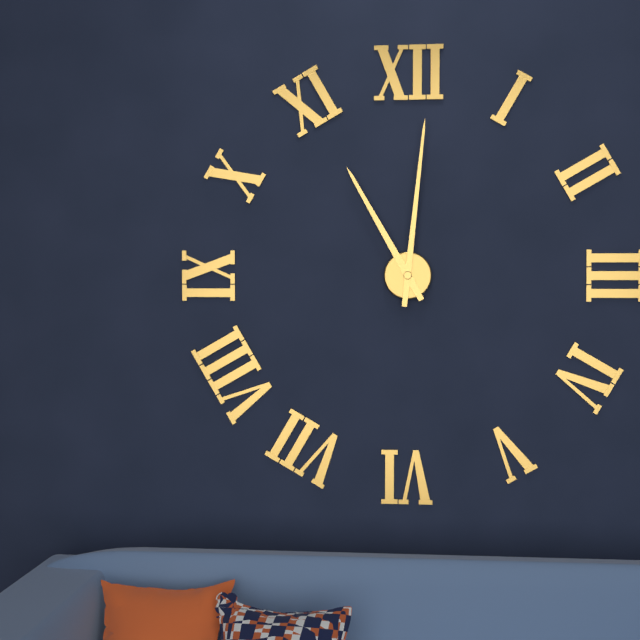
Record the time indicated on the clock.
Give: 11:01
